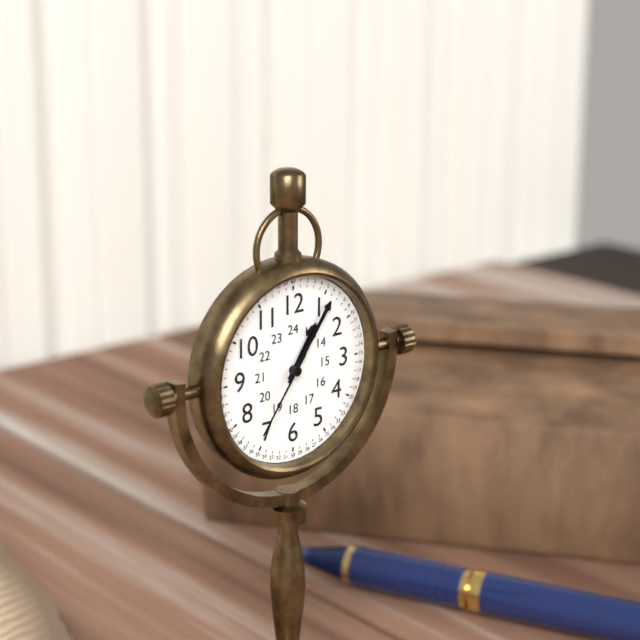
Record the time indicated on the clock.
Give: 1:06:36
